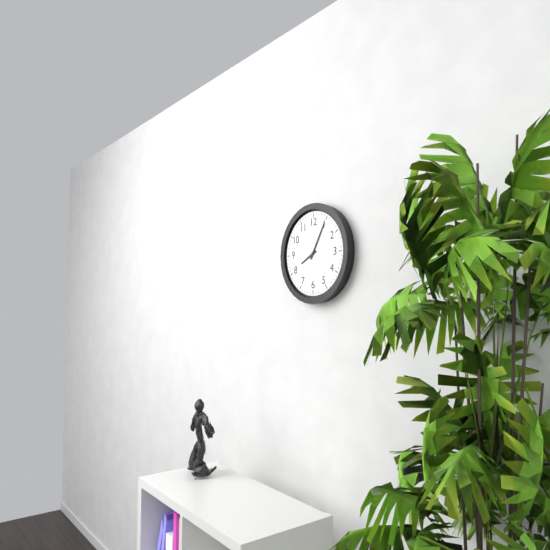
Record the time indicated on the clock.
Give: 8:05
